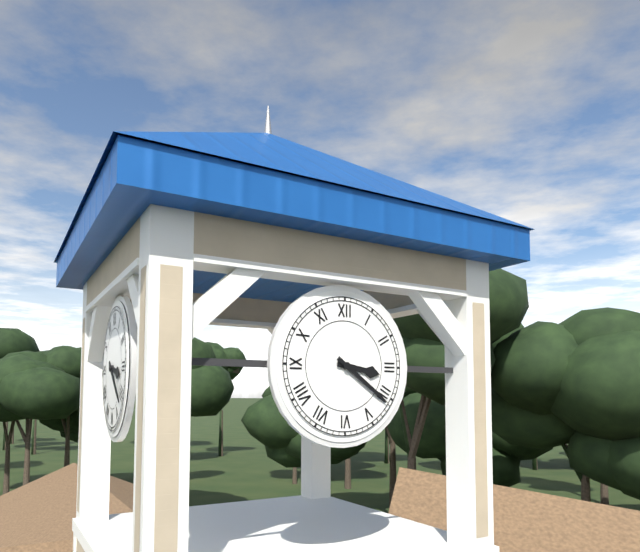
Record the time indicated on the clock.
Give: 3:21
